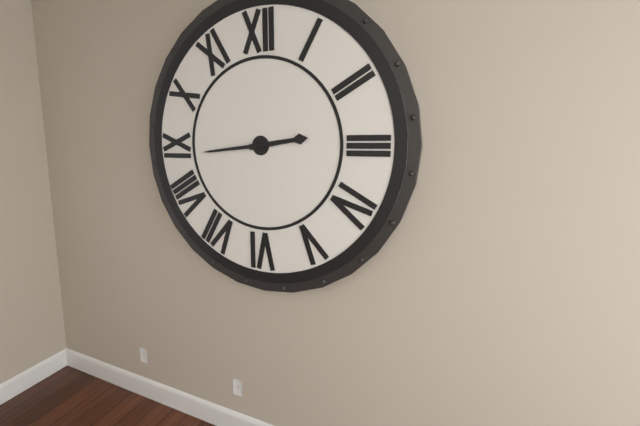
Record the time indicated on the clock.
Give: 2:44
